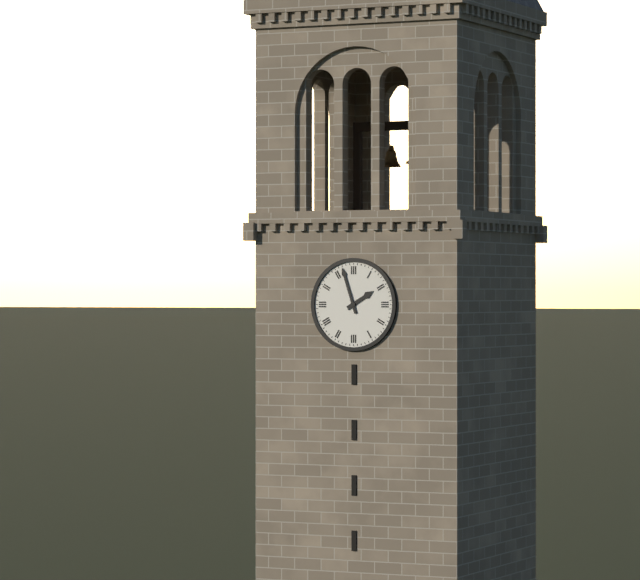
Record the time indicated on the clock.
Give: 1:57
